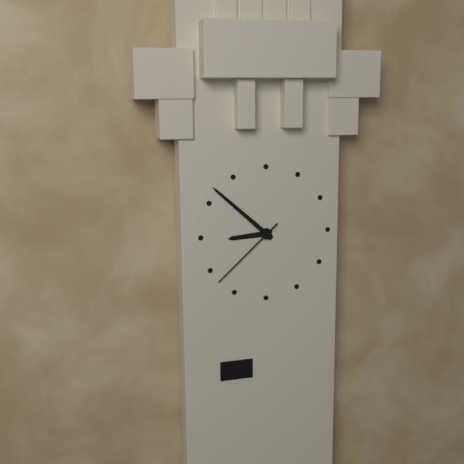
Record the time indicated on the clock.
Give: 8:52:38
